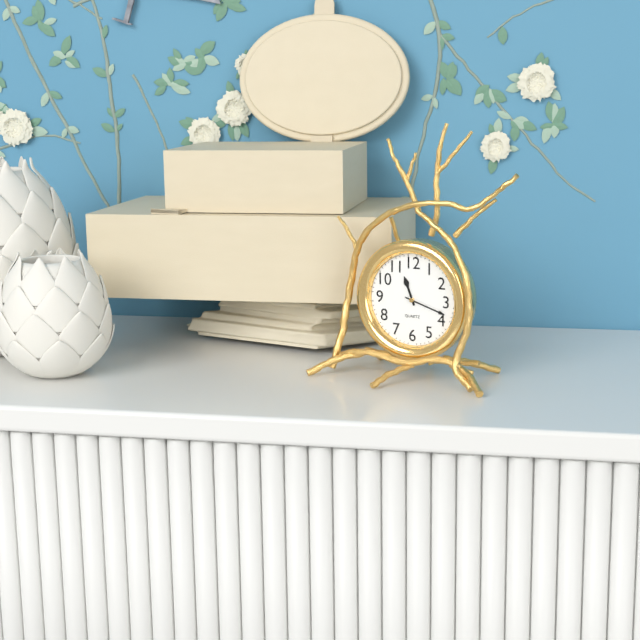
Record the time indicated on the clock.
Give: 11:18
